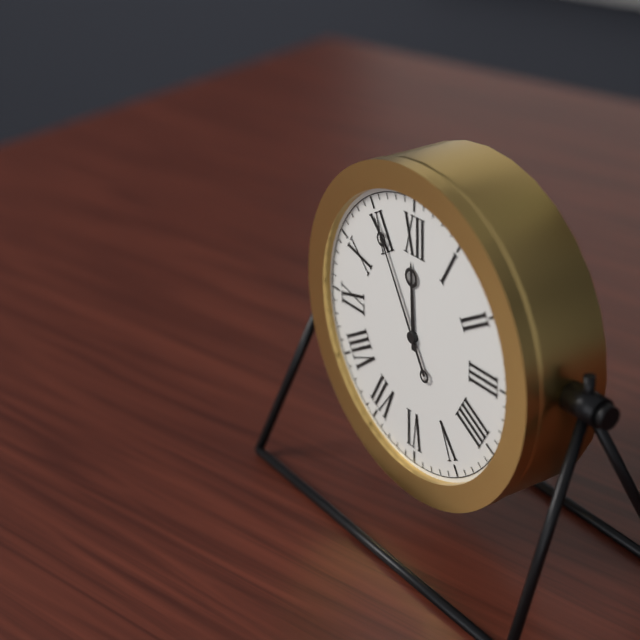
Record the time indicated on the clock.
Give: 11:55
